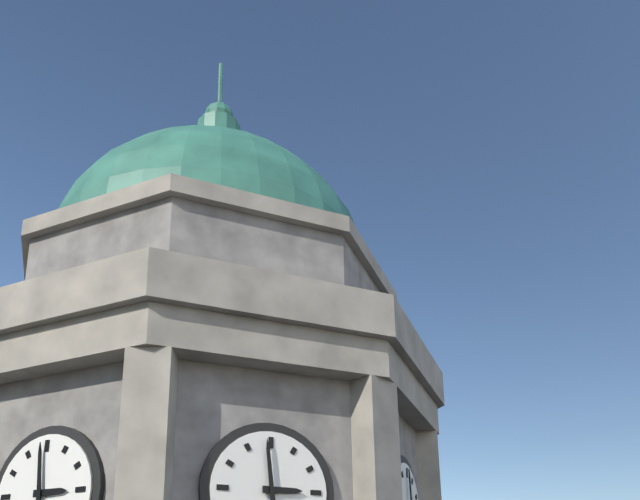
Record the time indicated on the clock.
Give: 2:59
